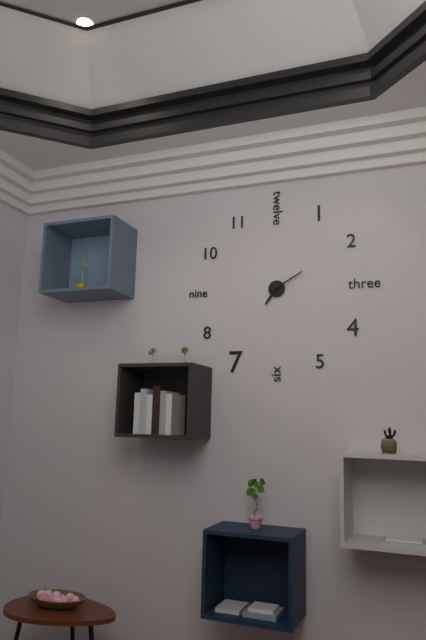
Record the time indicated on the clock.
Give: 7:10
